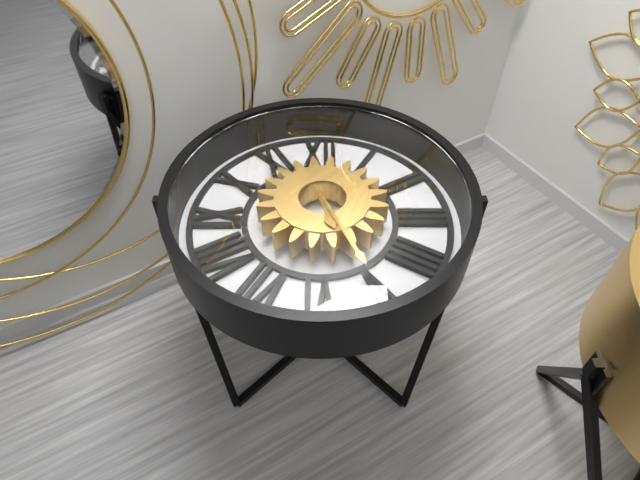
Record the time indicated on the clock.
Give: 5:26
